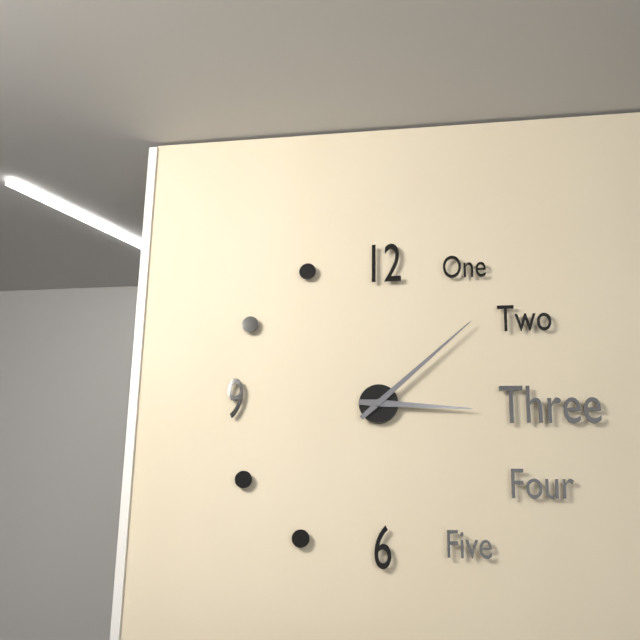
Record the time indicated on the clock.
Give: 3:08
